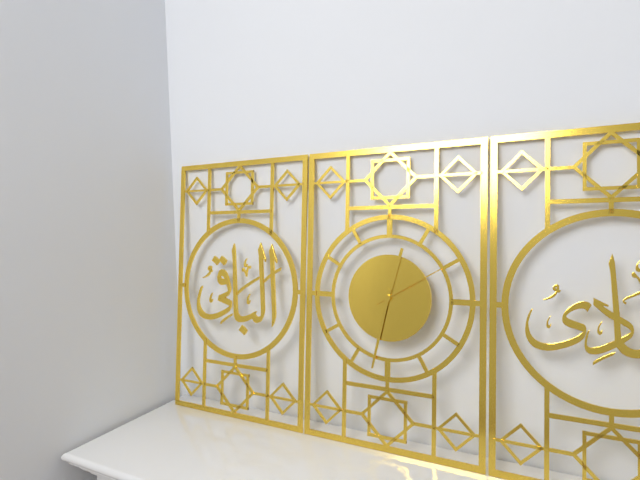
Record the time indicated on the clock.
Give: 12:32:10
